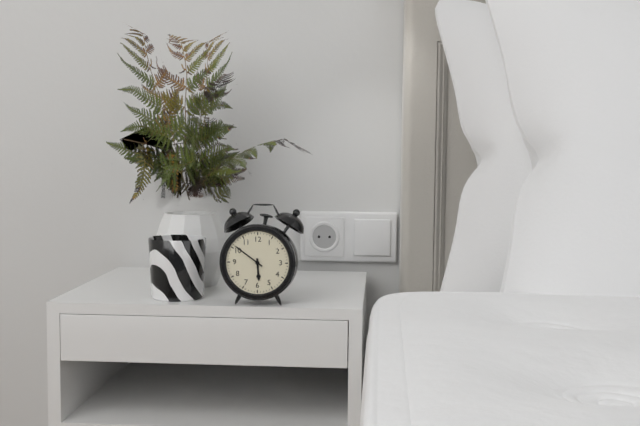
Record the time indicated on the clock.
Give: 5:51
